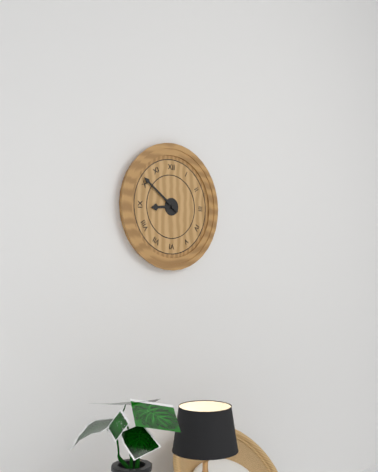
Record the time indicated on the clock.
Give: 8:51
